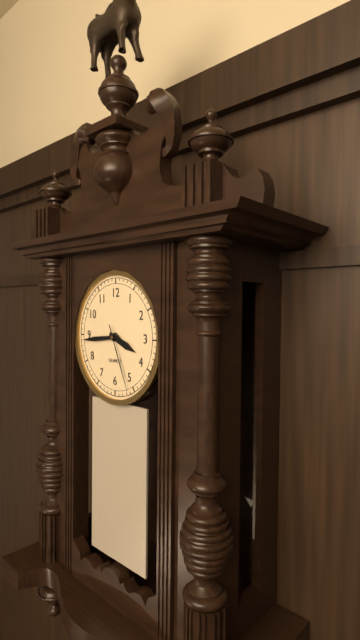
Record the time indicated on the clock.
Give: 3:44:26
